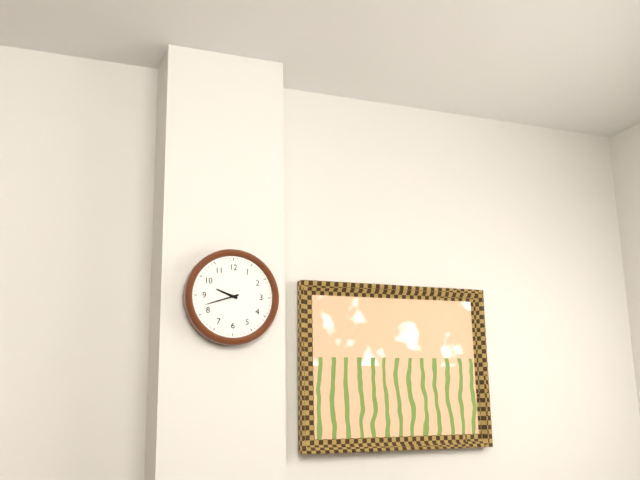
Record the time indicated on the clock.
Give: 9:42
